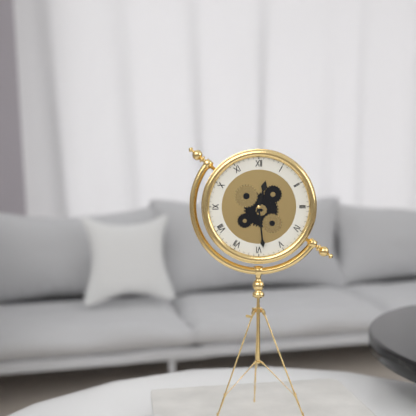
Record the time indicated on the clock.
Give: 12:29
